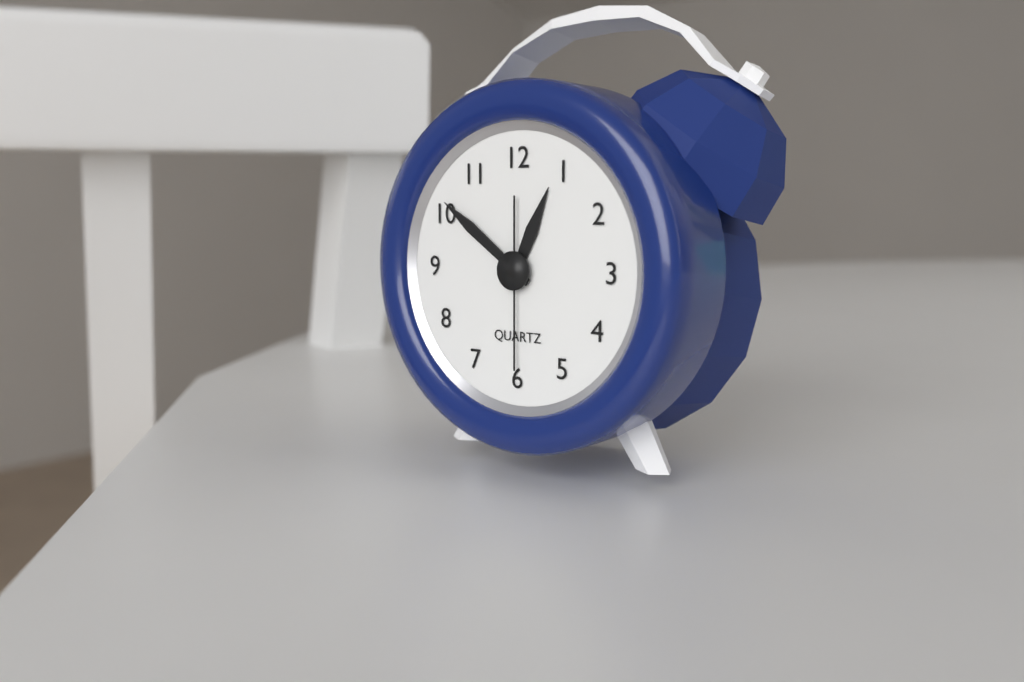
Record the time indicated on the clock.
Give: 12:51:30
